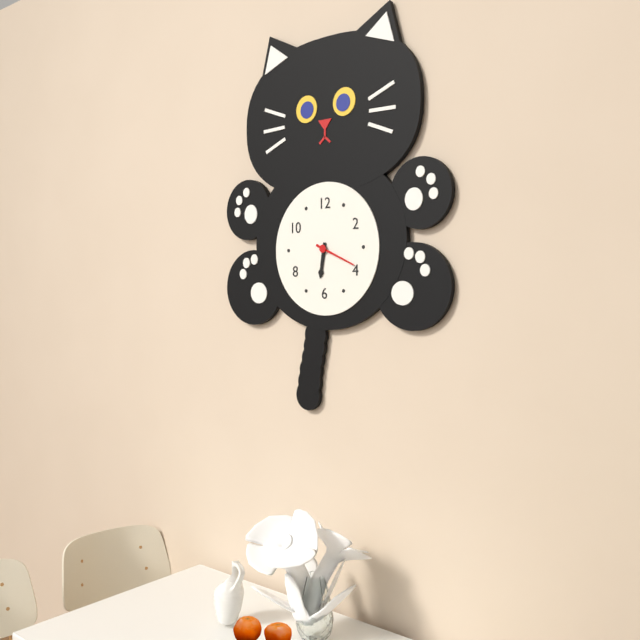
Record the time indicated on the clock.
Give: 6:19
